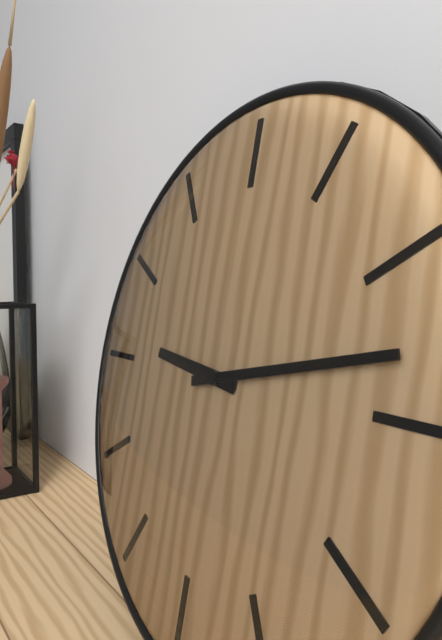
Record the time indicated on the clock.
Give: 9:13
